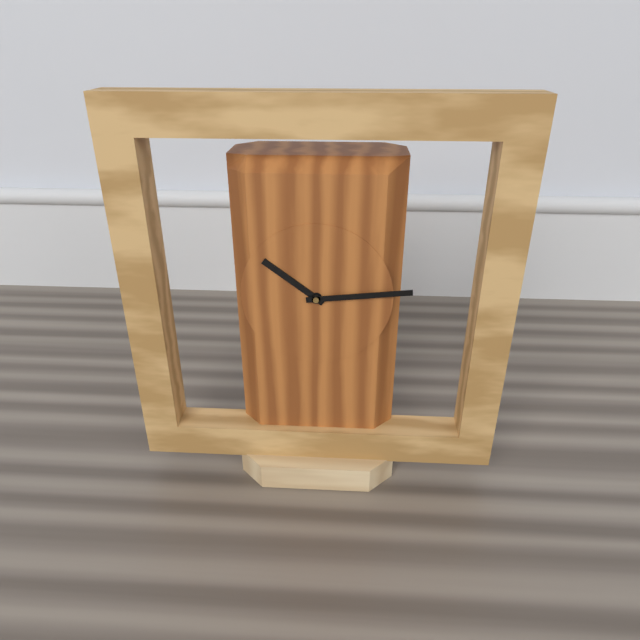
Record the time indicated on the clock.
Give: 10:14
